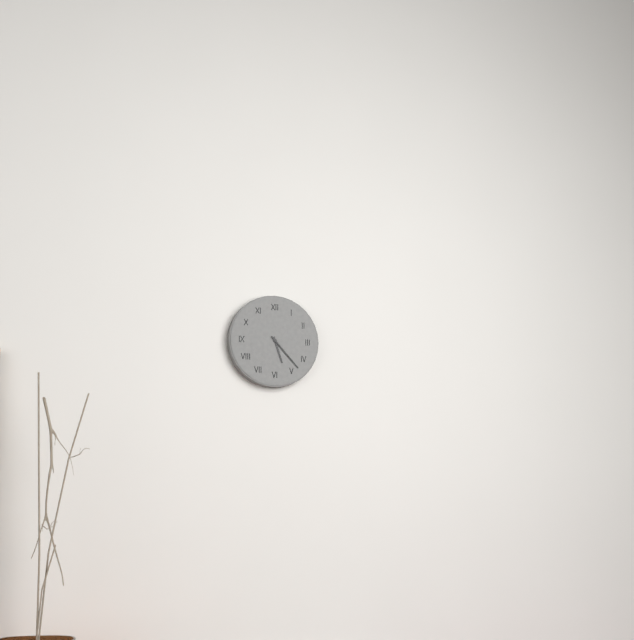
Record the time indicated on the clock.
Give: 5:23
